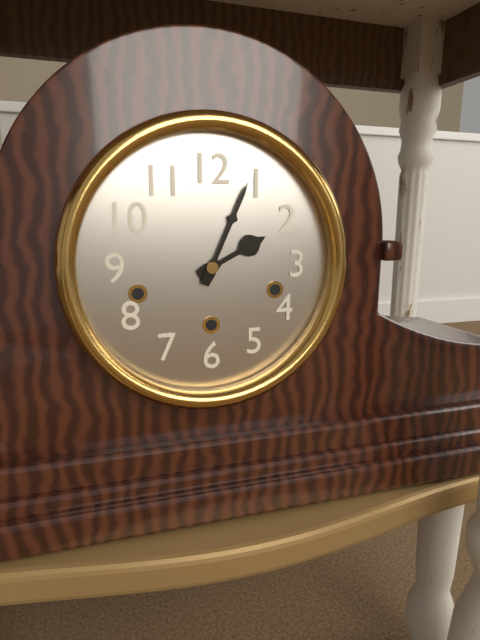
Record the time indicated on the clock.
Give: 2:04
